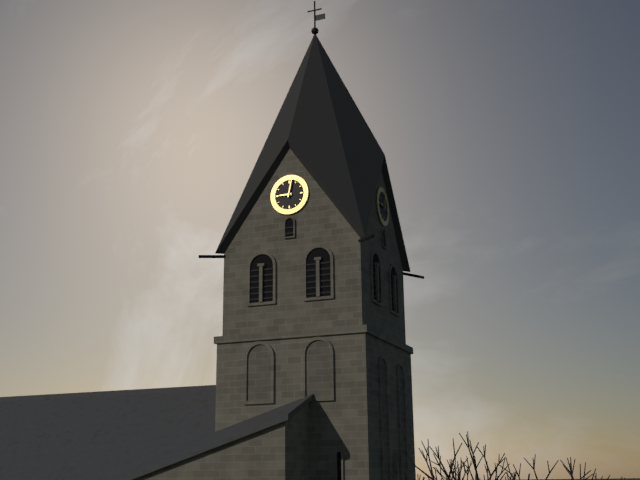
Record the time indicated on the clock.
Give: 9:02
